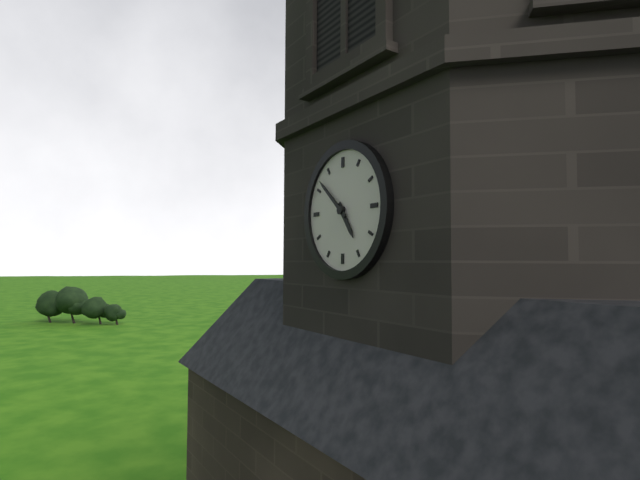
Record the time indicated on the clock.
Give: 4:52
